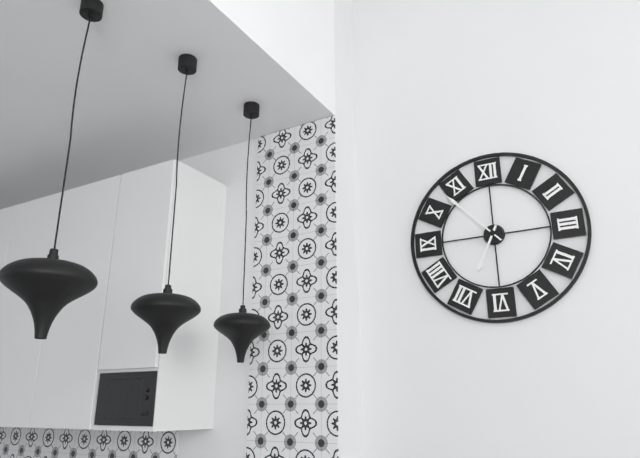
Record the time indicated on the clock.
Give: 6:53
